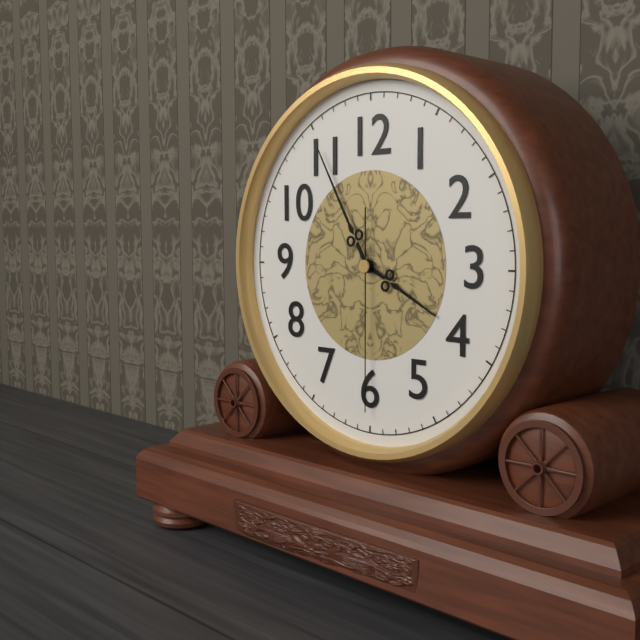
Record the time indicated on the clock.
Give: 3:55:30
